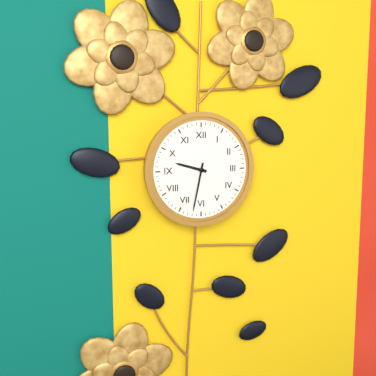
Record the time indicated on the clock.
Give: 9:32
